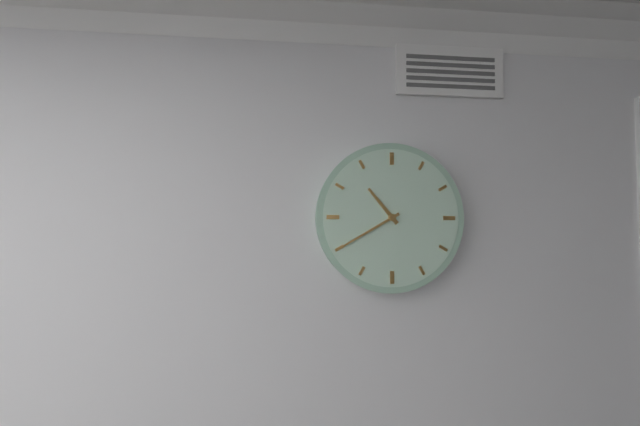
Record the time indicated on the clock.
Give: 10:40
